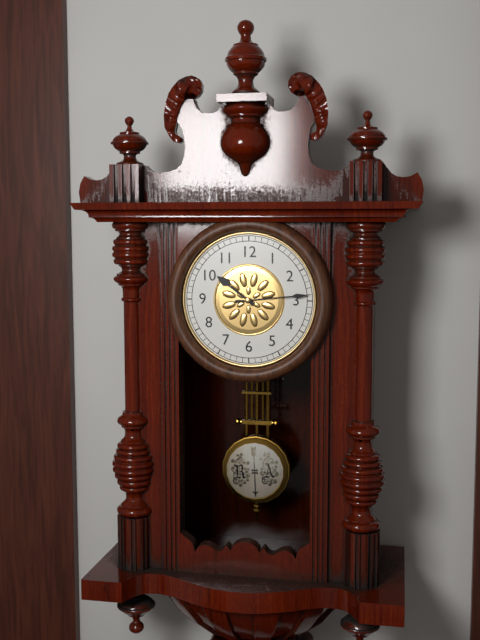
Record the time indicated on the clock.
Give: 10:14
